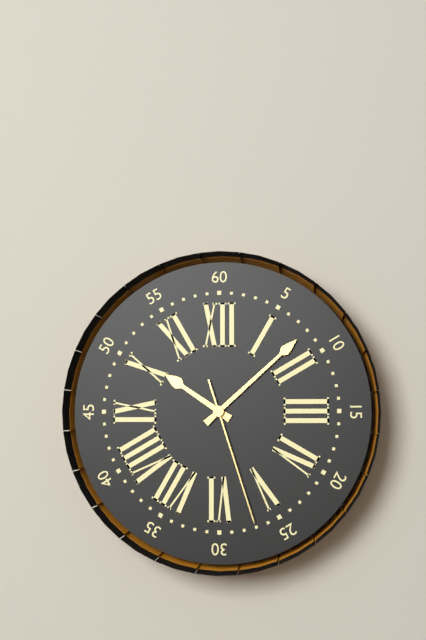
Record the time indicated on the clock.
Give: 10:08:27
